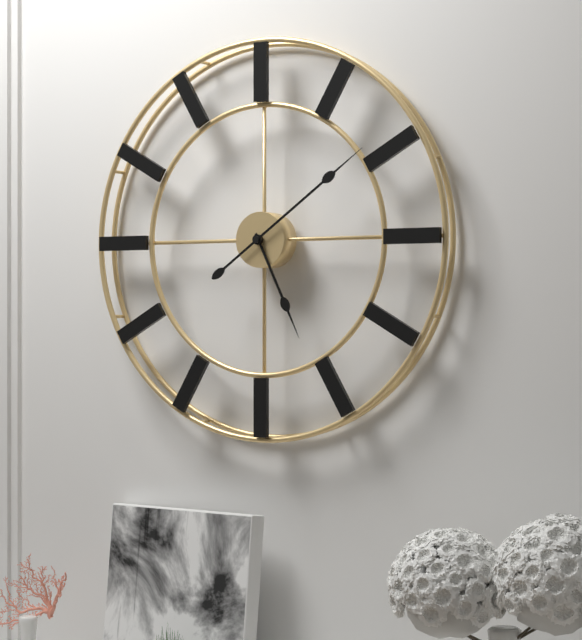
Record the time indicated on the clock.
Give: 5:09
